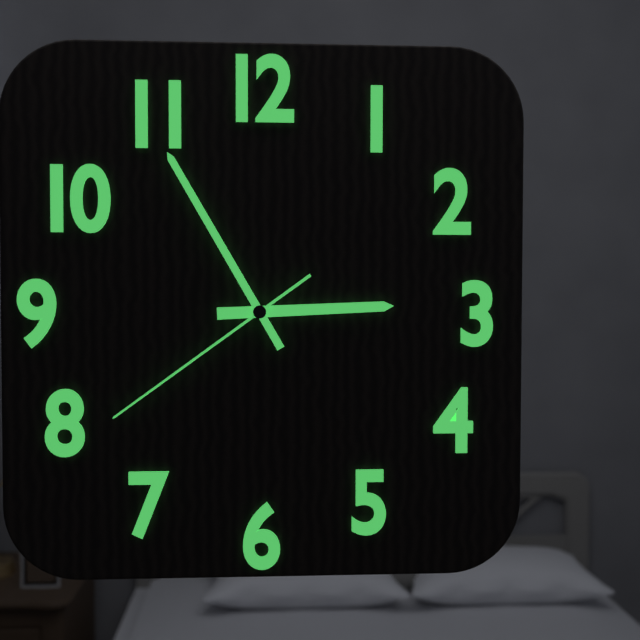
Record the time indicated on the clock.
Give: 2:55:39
